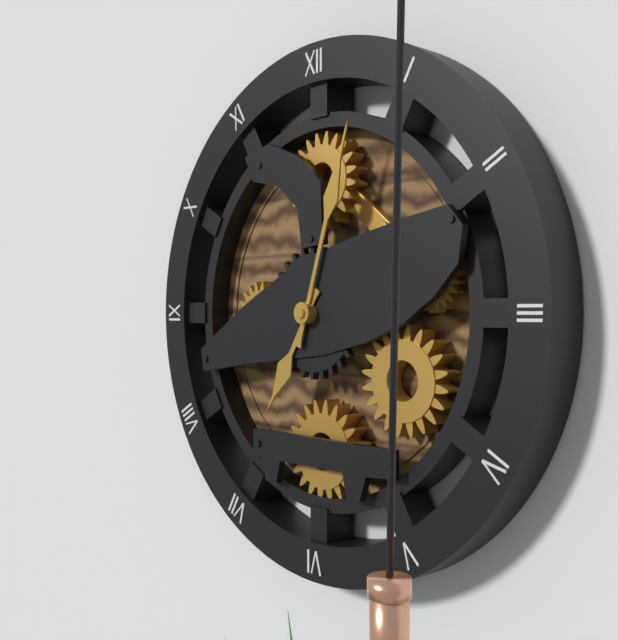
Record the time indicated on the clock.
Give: 7:03
